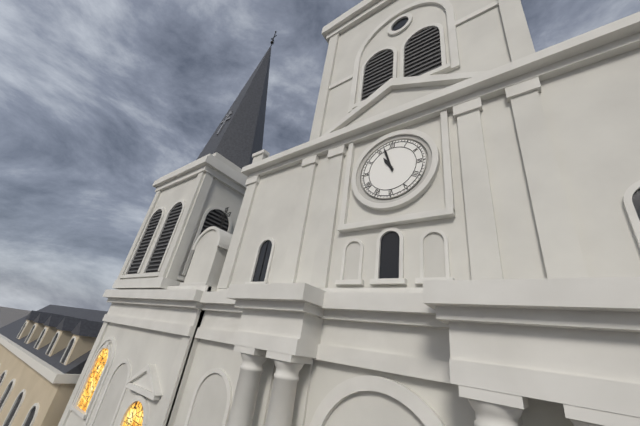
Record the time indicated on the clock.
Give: 10:57
